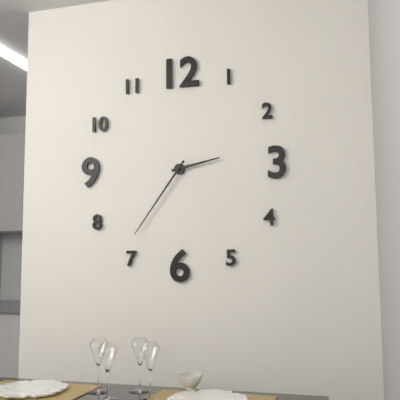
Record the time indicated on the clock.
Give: 2:36
